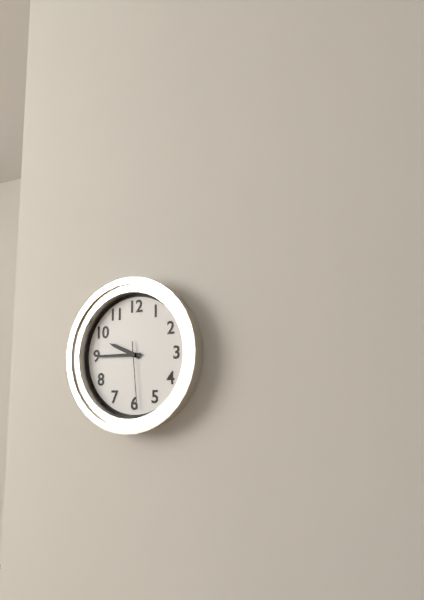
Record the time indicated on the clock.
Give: 9:45:29
